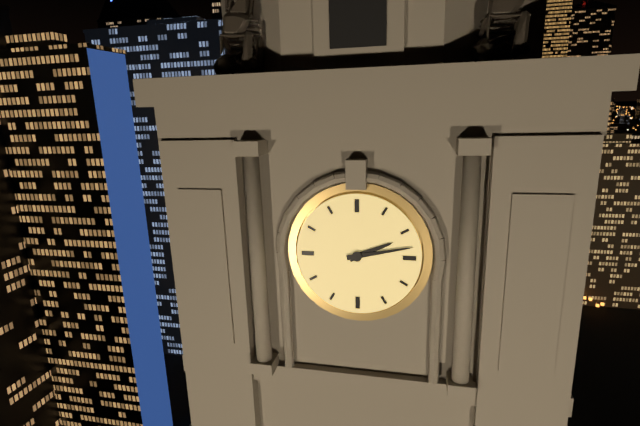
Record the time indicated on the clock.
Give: 2:13
